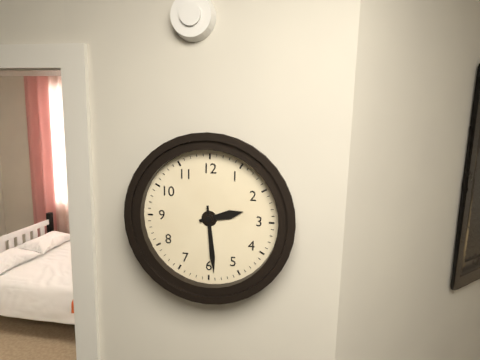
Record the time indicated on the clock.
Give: 2:29
